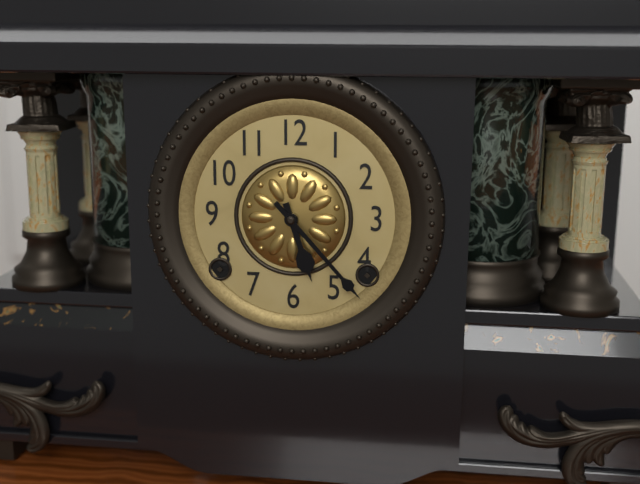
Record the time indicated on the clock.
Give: 5:23
